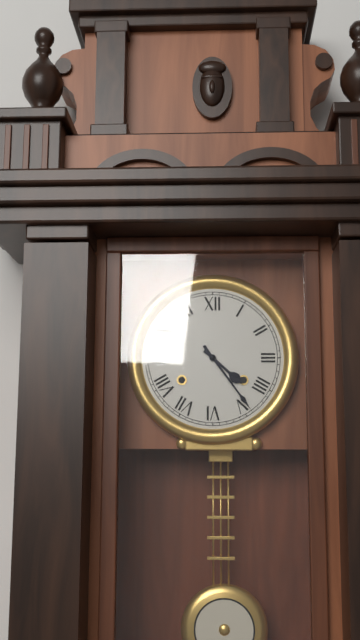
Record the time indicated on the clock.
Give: 4:24
